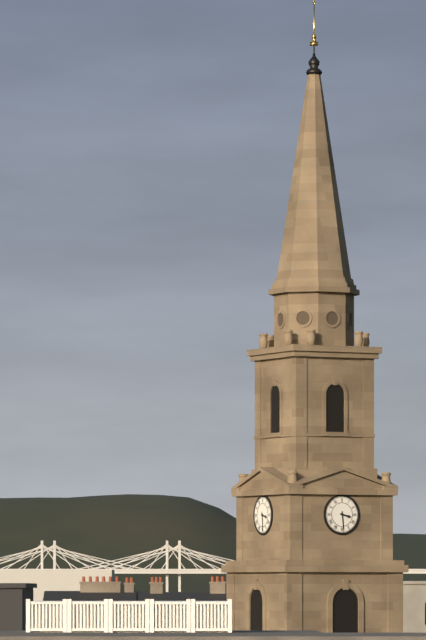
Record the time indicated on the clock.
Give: 3:29
